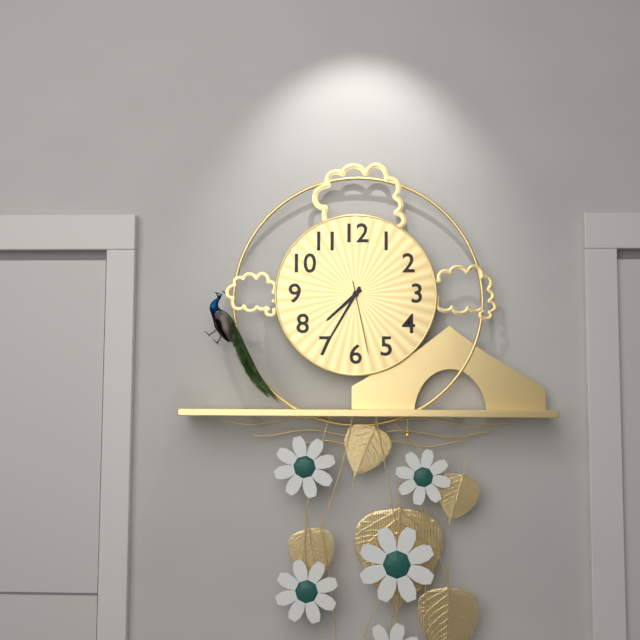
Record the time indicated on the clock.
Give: 7:35:28
